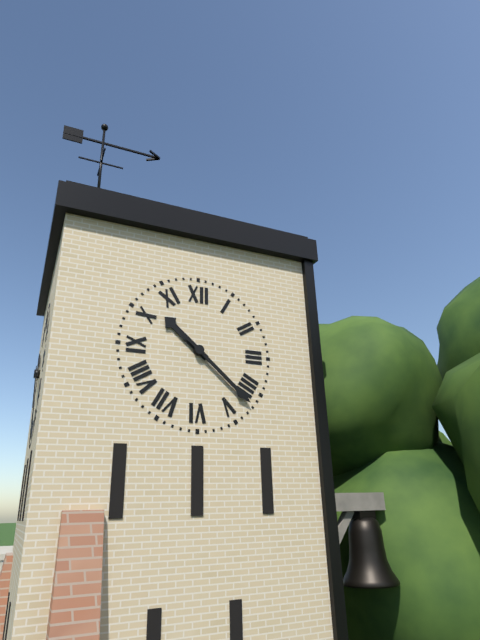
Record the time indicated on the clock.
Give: 10:22
